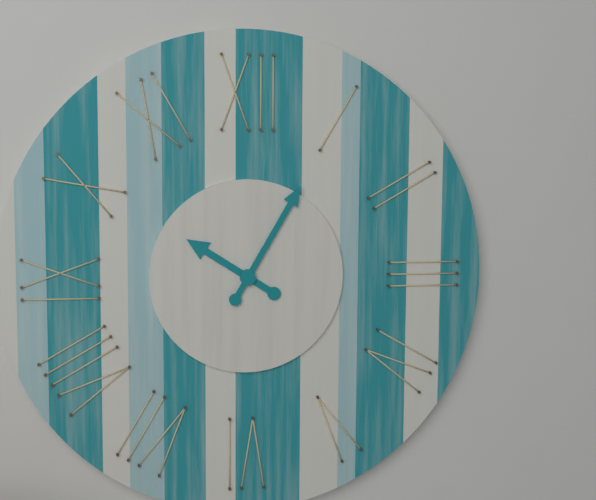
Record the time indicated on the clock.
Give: 10:05
